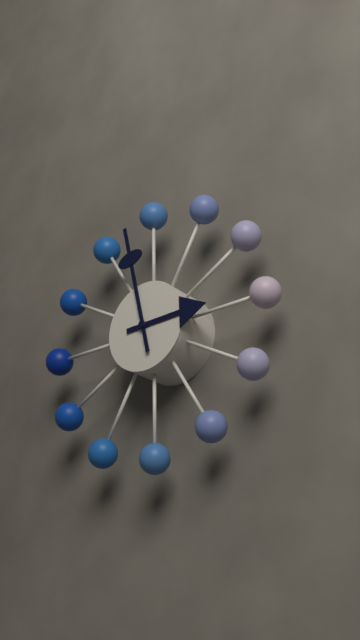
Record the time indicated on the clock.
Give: 2:58
